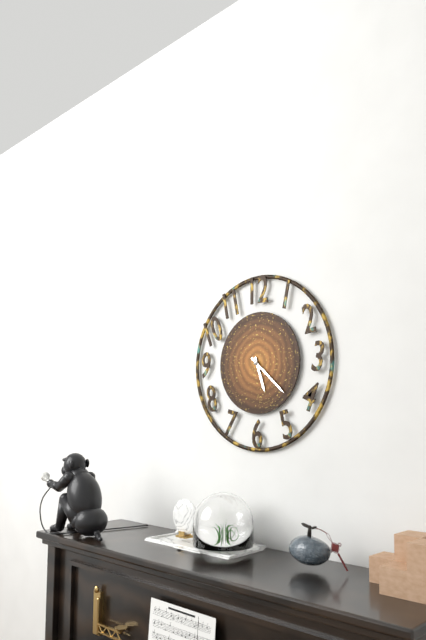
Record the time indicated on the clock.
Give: 5:22
